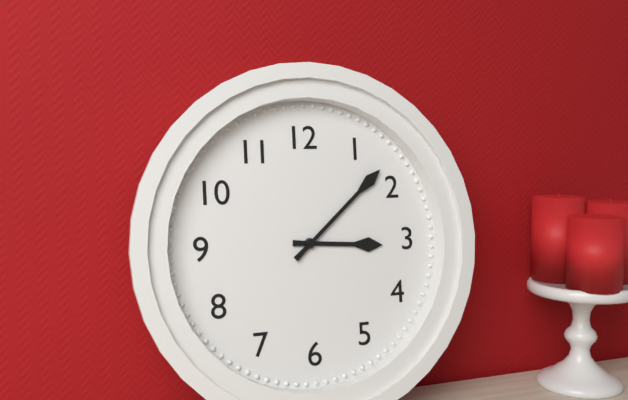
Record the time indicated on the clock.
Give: 3:08
